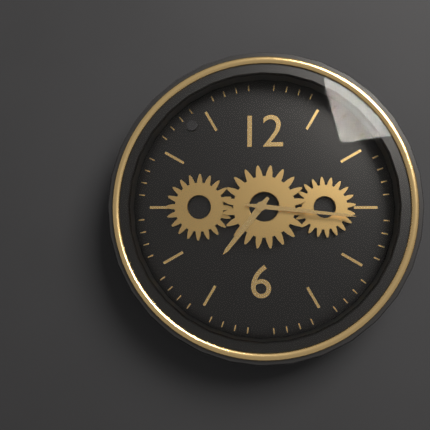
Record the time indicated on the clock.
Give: 7:16
